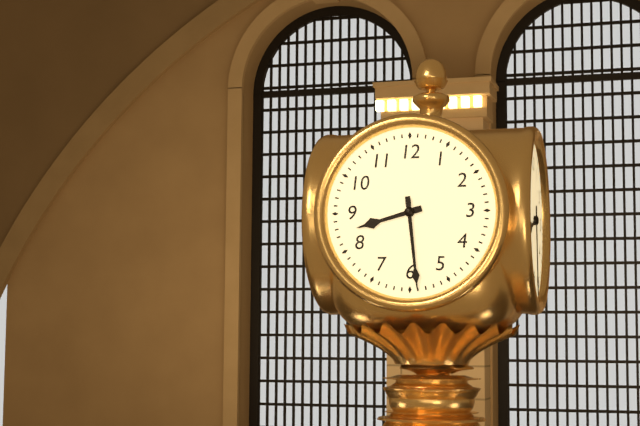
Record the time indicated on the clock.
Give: 8:29
